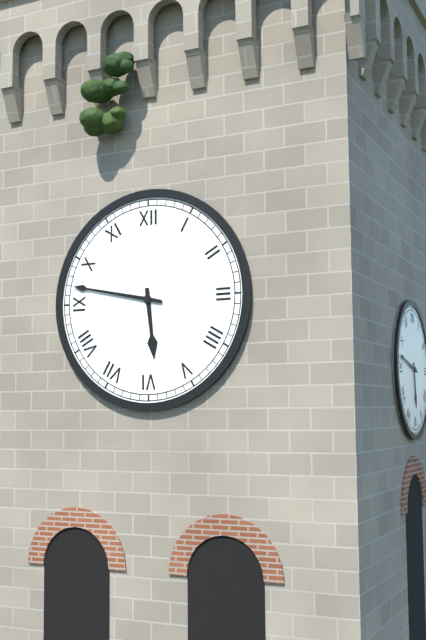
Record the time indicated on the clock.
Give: 5:47
